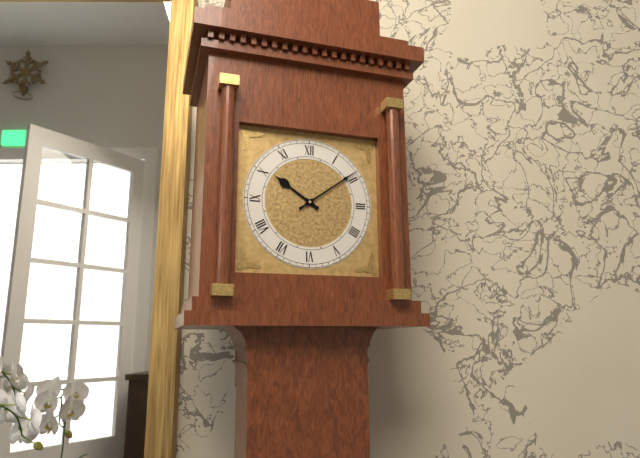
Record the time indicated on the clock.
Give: 10:09
